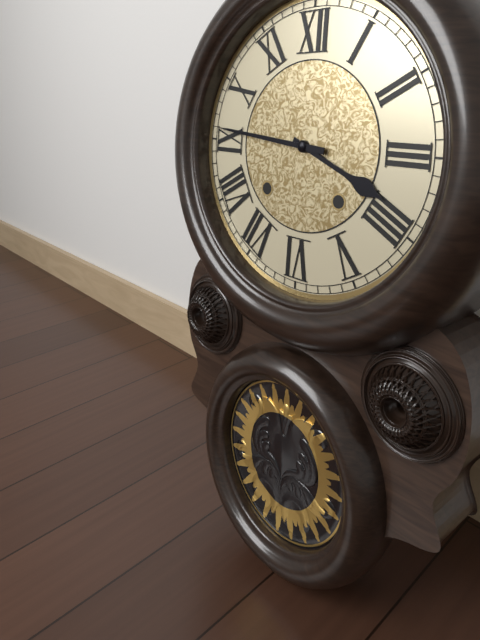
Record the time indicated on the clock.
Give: 3:46
